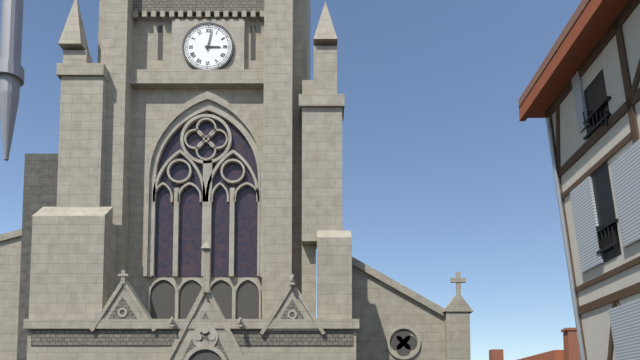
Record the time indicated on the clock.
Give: 3:02
